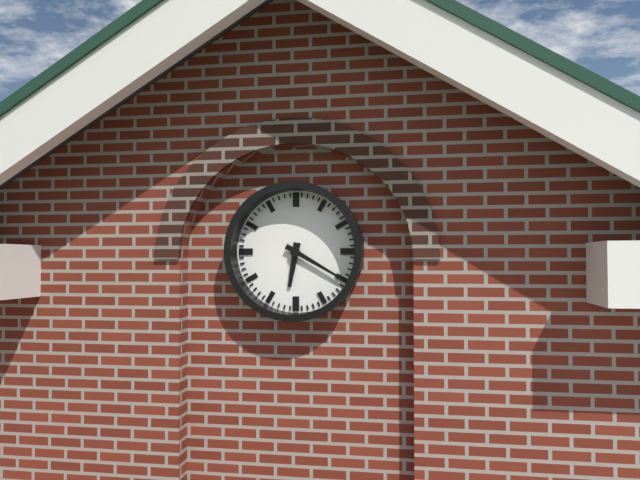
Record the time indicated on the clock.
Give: 6:20
